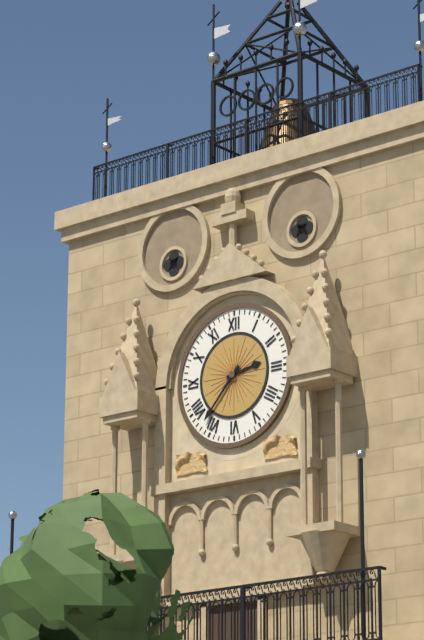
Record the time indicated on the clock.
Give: 2:37
